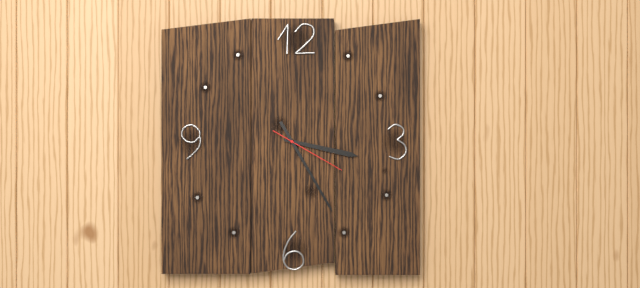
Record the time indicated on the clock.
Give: 3:25:20
